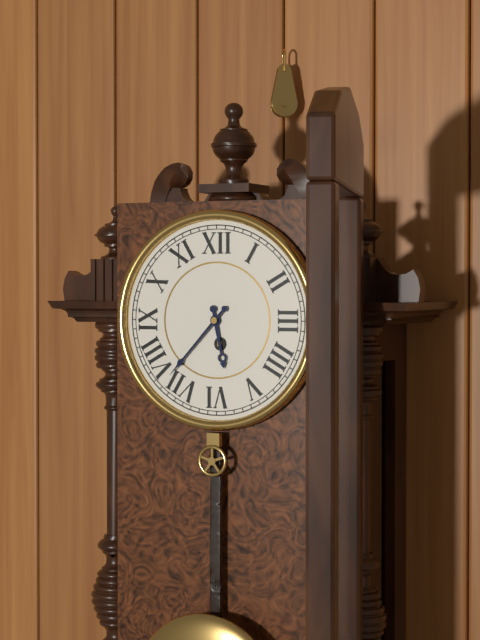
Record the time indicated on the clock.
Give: 5:37
